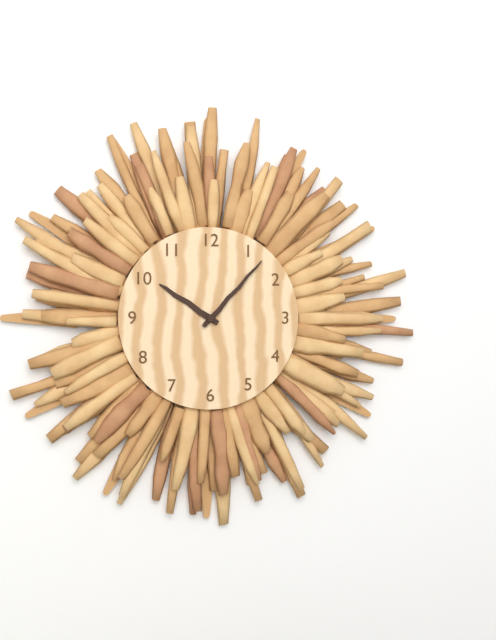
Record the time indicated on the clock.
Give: 10:07
